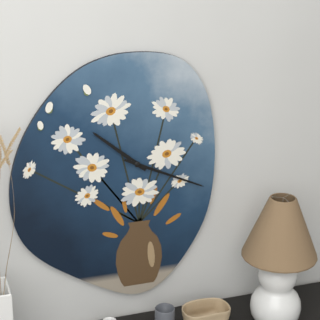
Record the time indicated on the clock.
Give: 10:19
